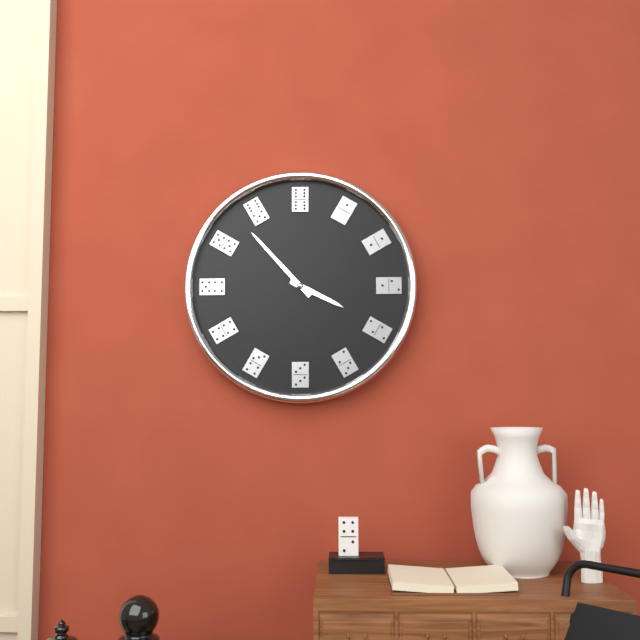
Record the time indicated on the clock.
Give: 3:53
